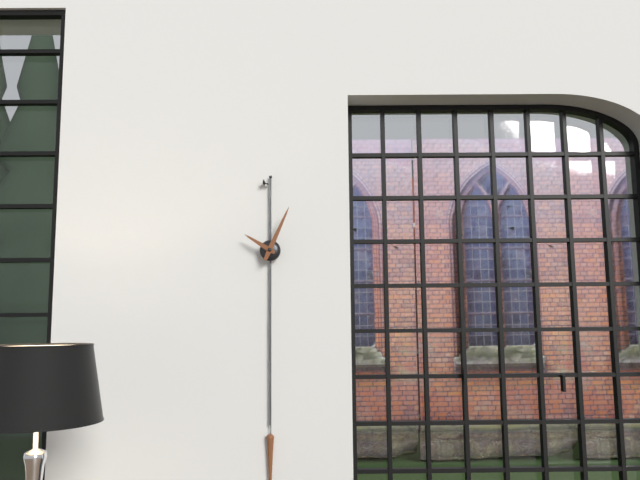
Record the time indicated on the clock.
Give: 10:04
